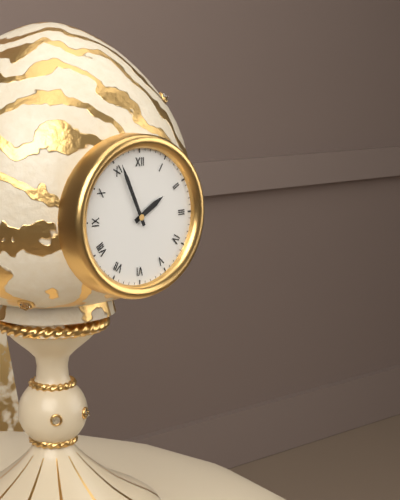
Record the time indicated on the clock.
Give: 1:56
